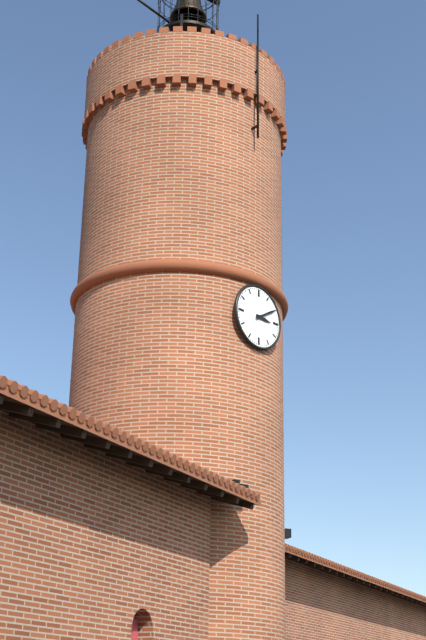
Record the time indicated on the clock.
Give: 3:10
